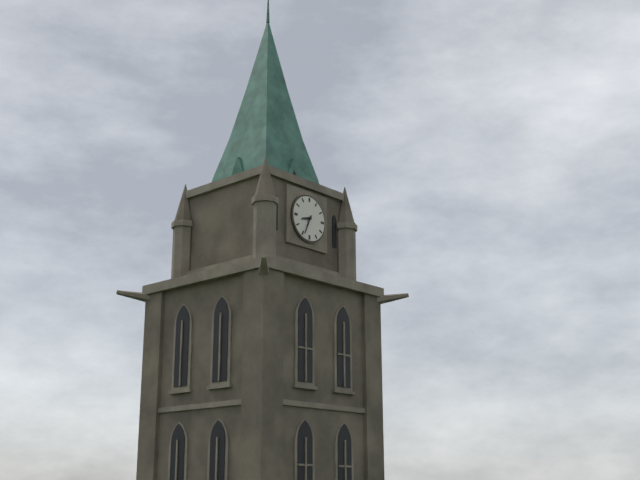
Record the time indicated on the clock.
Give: 8:34
